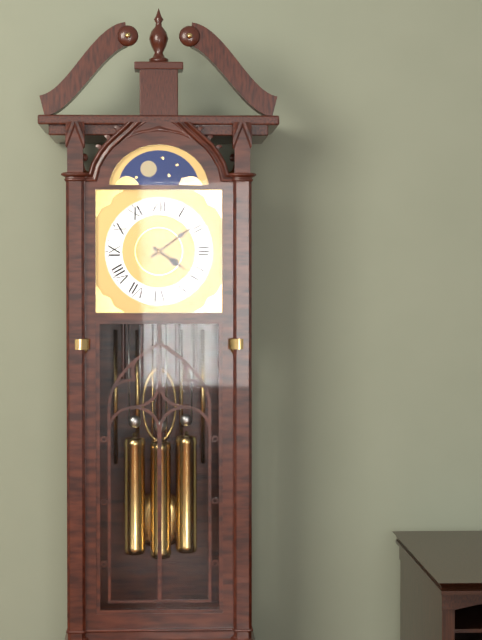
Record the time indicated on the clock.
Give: 4:09
